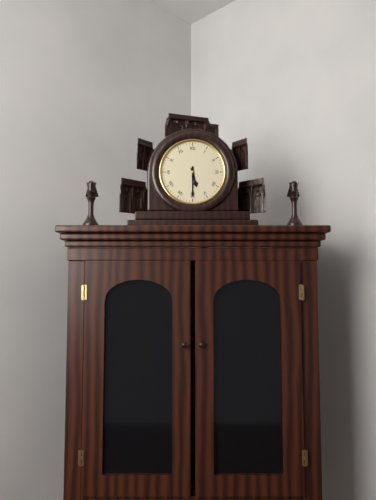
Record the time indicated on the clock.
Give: 5:30
